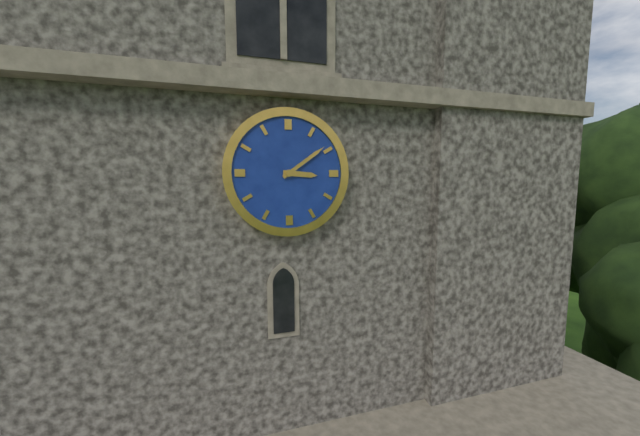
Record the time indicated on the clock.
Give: 3:09
